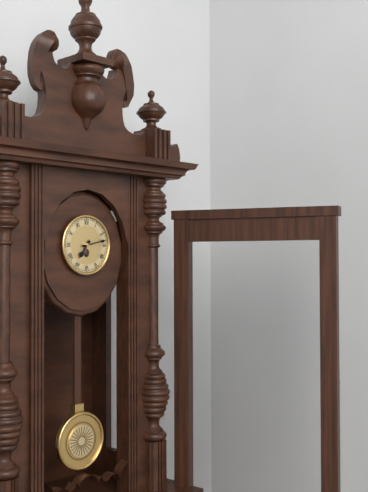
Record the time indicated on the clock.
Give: 7:13
